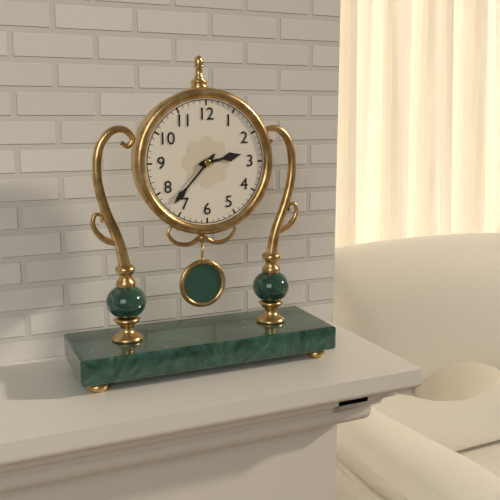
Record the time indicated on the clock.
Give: 2:37
